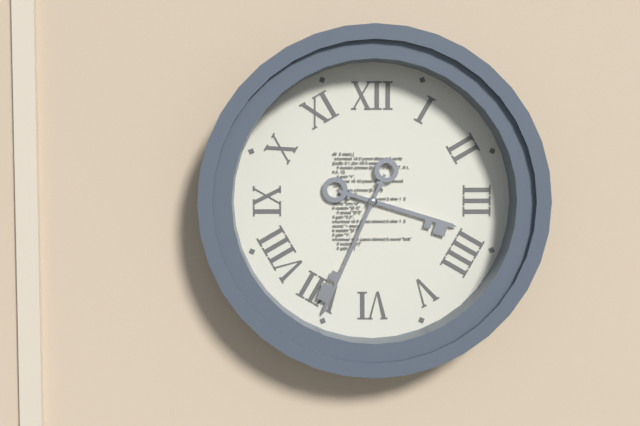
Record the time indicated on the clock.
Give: 3:34
